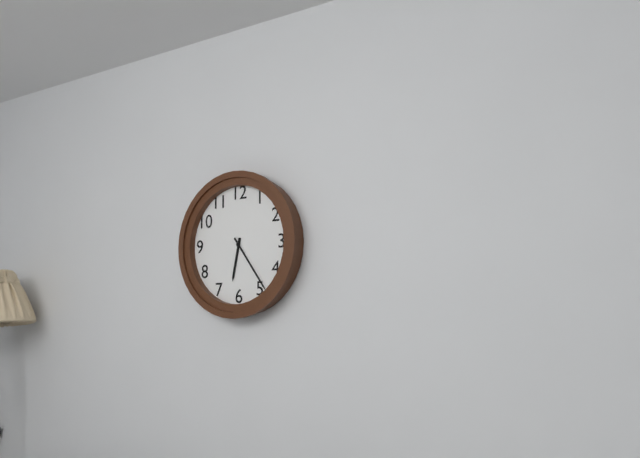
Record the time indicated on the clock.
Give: 6:24
